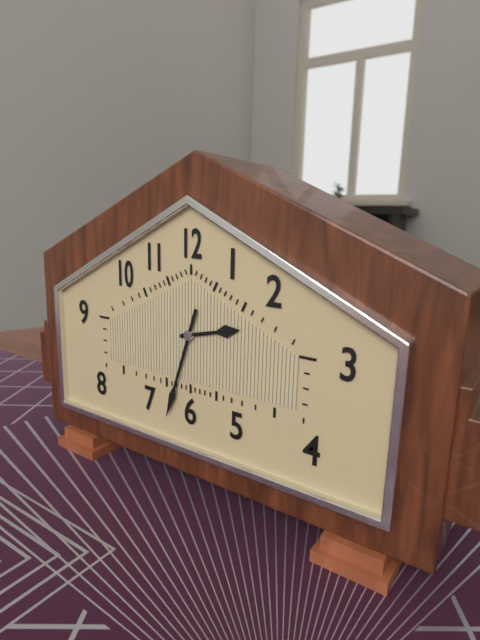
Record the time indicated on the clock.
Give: 2:33
